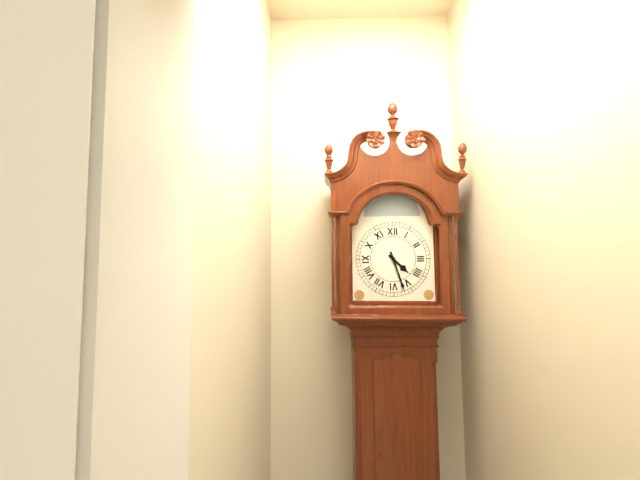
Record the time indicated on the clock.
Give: 4:27
